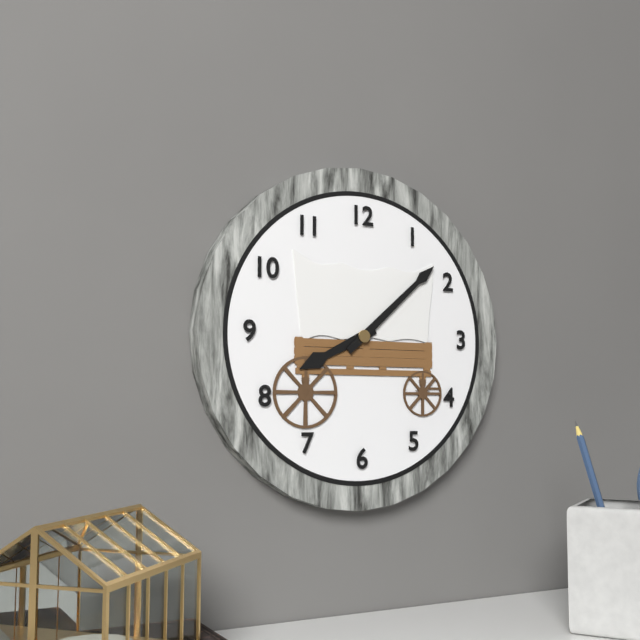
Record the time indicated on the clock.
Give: 8:08
